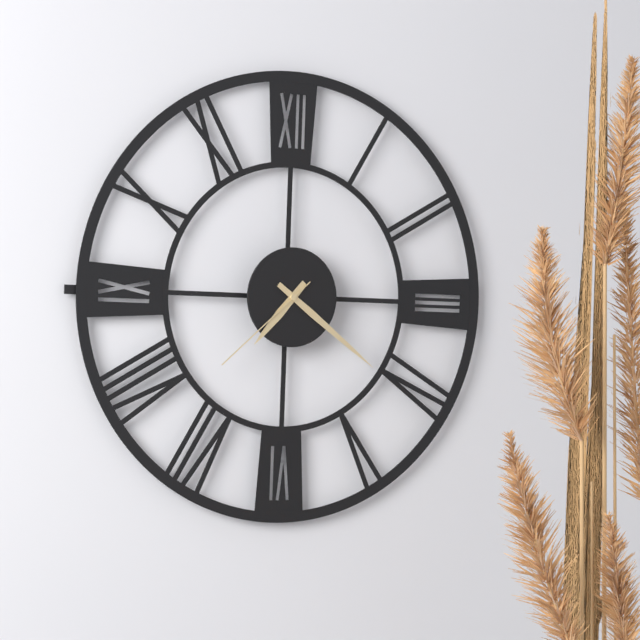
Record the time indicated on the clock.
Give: 7:21:38
